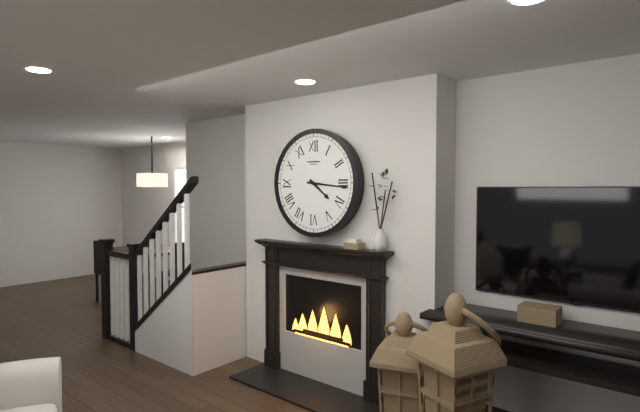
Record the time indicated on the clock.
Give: 4:16
